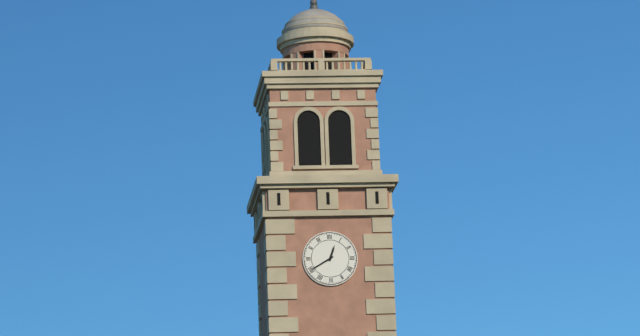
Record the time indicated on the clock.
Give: 12:40
